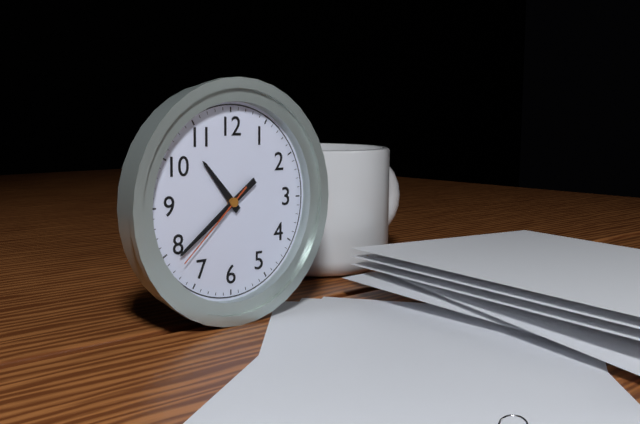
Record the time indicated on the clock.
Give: 10:39:38
